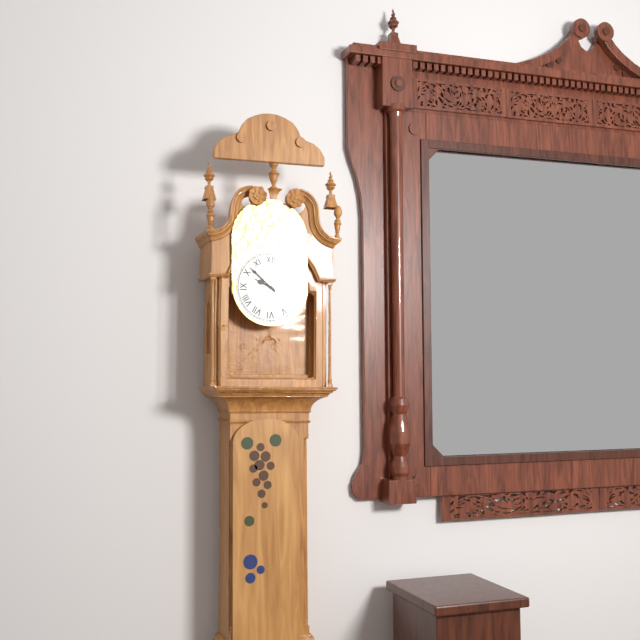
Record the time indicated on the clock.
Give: 9:52
